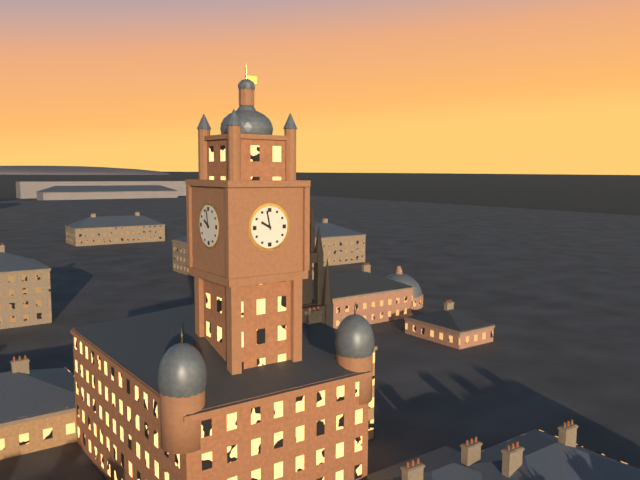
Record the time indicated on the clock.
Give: 9:58
